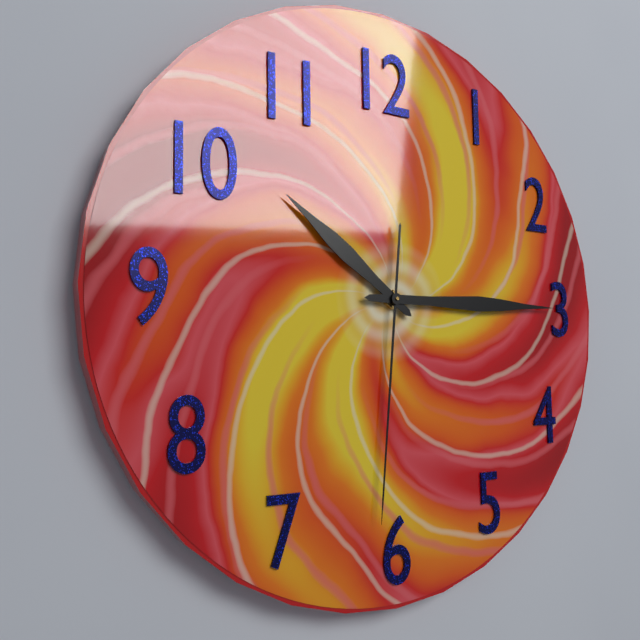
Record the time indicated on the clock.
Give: 10:15:31
